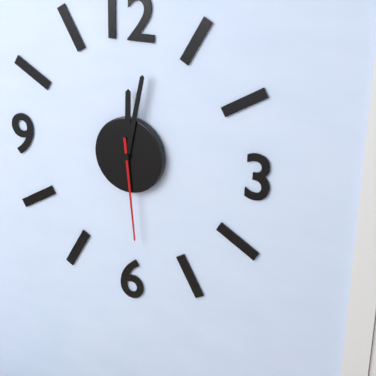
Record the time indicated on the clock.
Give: 12:02:29
